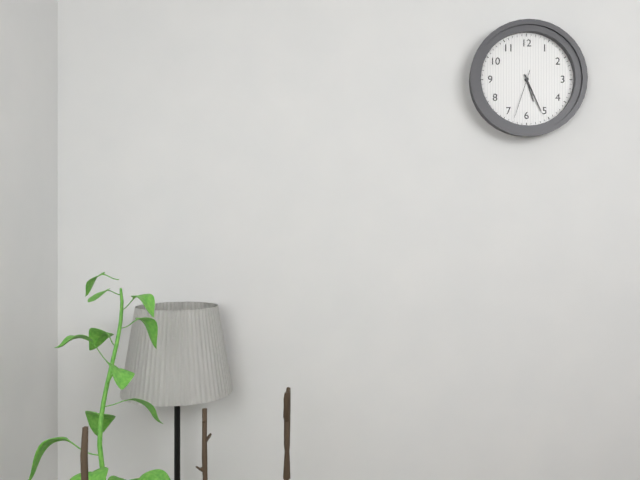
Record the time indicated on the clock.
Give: 5:26:33
